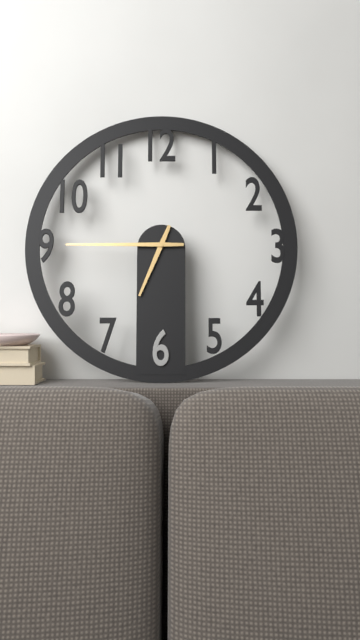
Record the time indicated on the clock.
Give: 6:45
